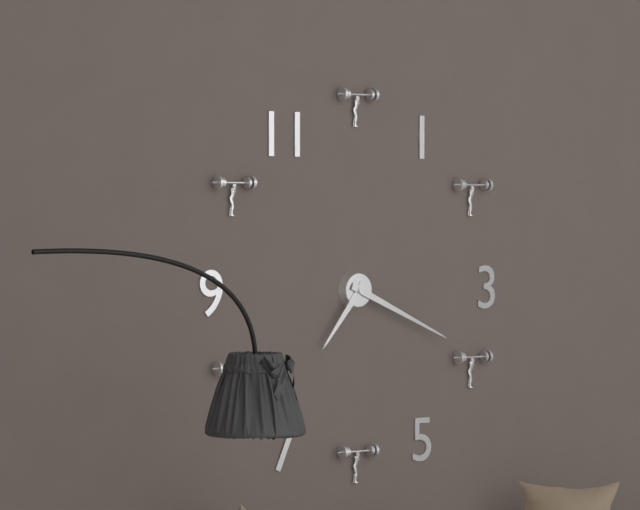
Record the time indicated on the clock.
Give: 7:19
